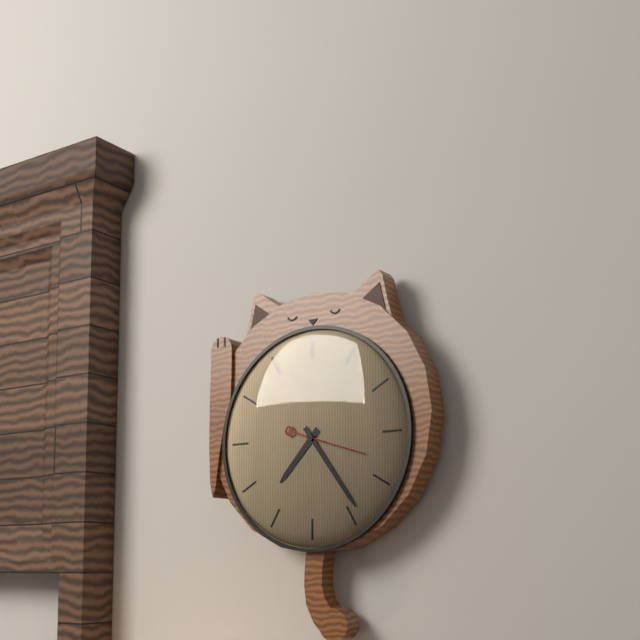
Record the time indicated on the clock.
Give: 7:24:18
